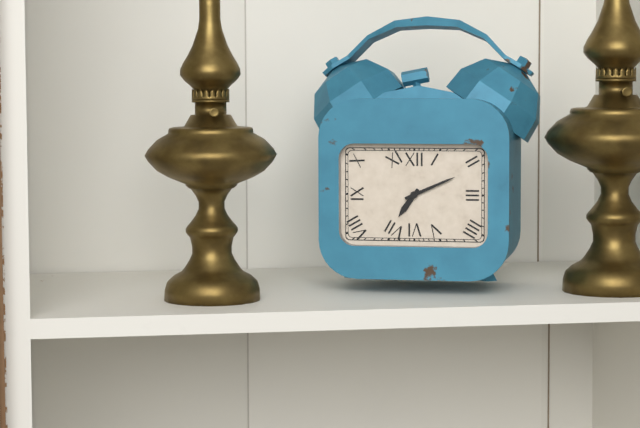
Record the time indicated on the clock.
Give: 7:11
